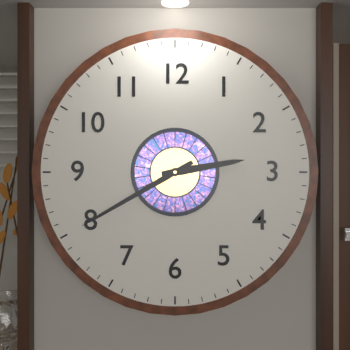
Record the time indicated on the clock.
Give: 2:40
